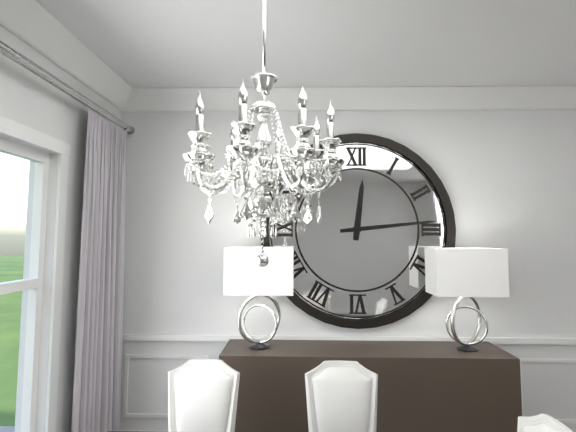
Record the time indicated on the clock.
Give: 12:14
